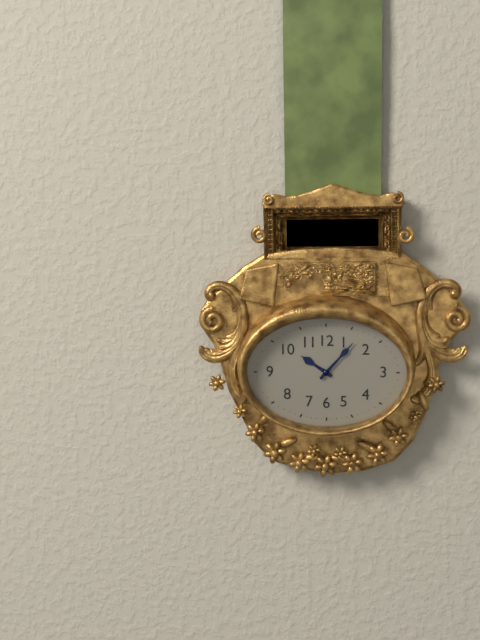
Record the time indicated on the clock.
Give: 10:07
